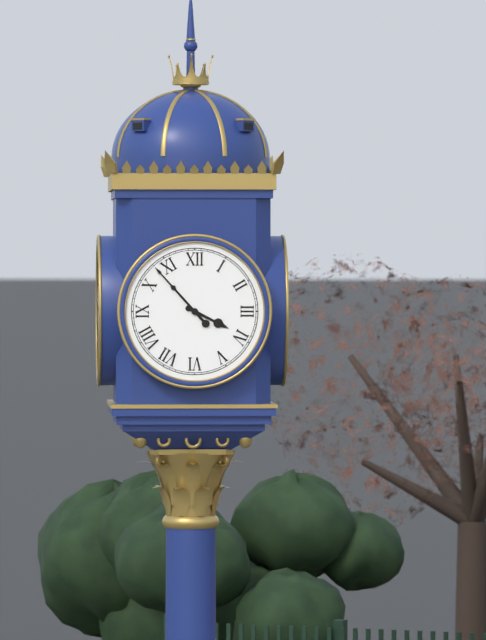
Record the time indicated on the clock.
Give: 3:53
